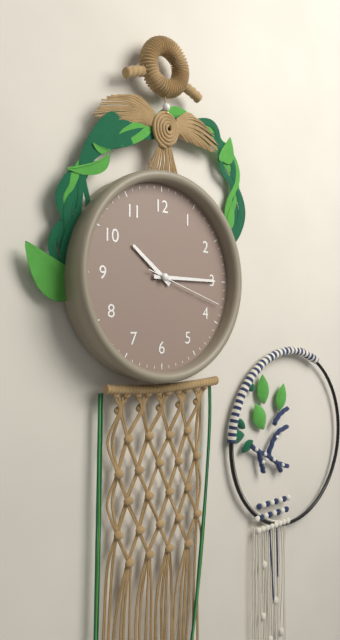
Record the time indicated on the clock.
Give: 10:15:18
